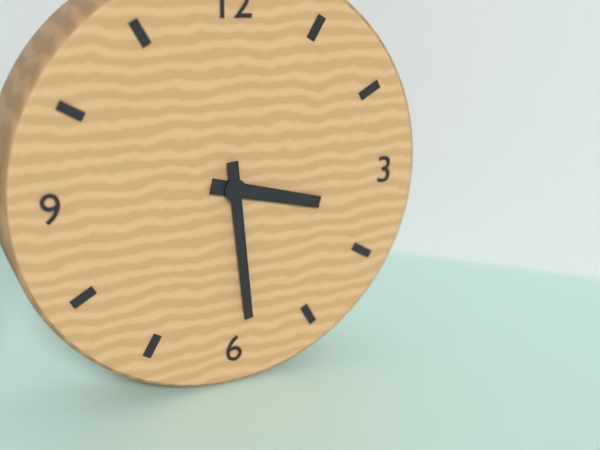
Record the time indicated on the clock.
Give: 3:29
